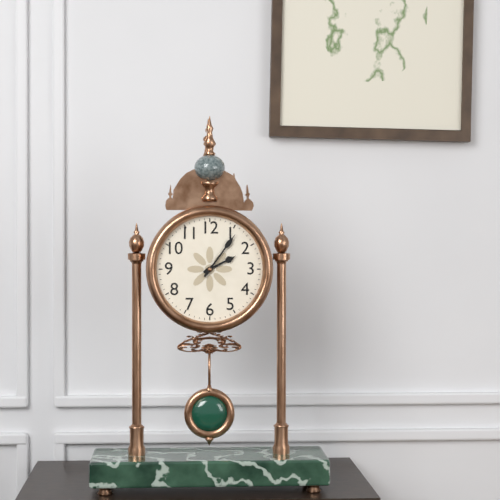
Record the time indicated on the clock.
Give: 2:06
